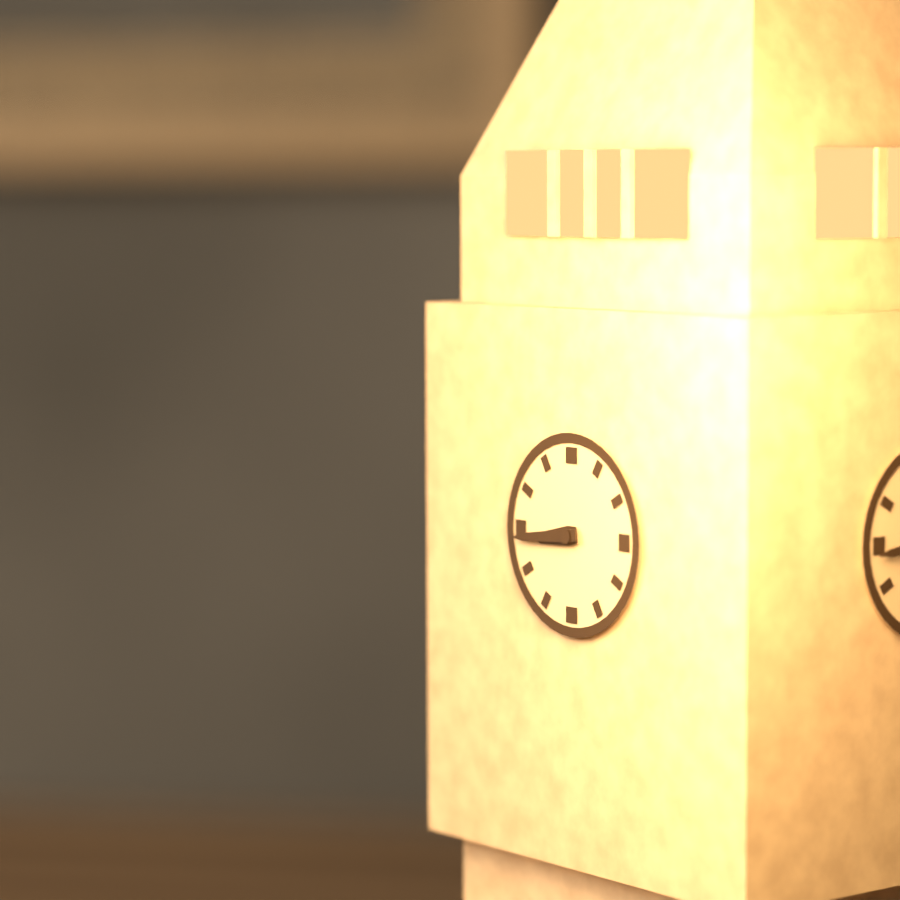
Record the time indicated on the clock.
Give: 8:44
